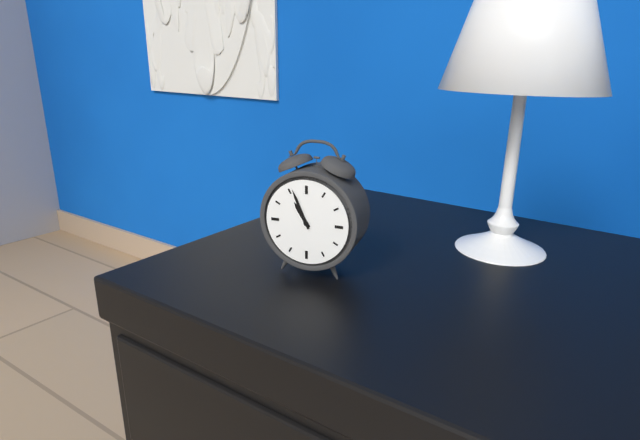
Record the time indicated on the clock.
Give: 10:56
